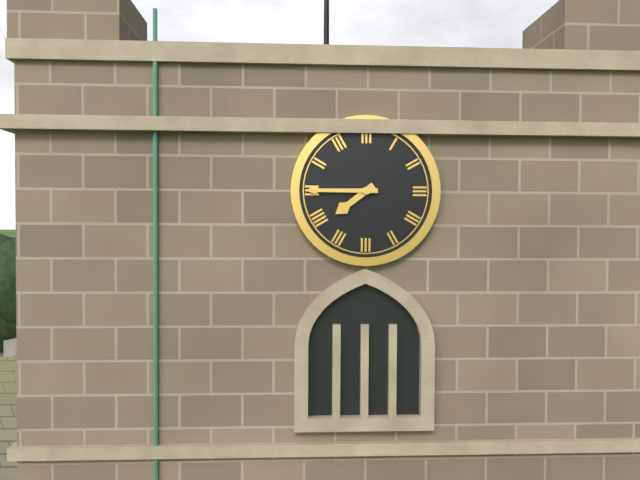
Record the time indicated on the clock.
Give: 7:45
